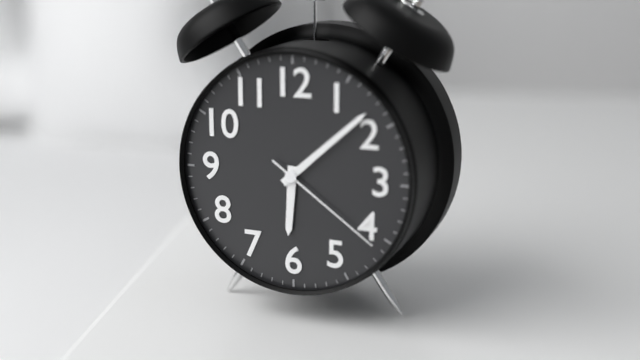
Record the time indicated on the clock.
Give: 6:08:21
